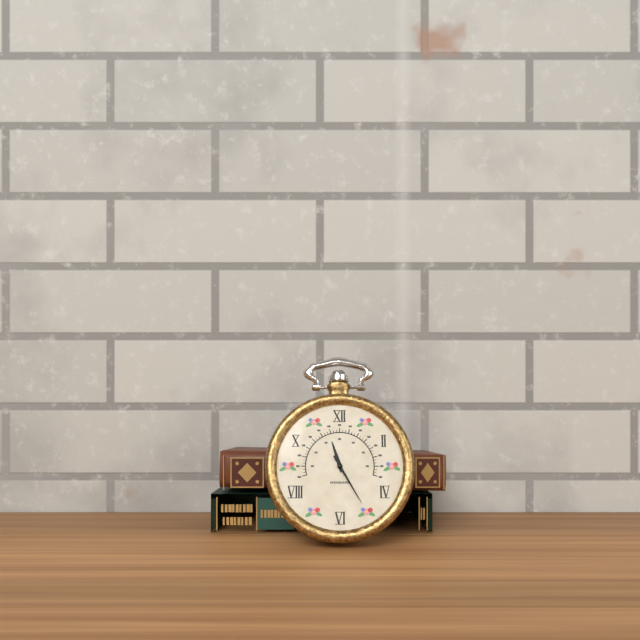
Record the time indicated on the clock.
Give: 11:25
